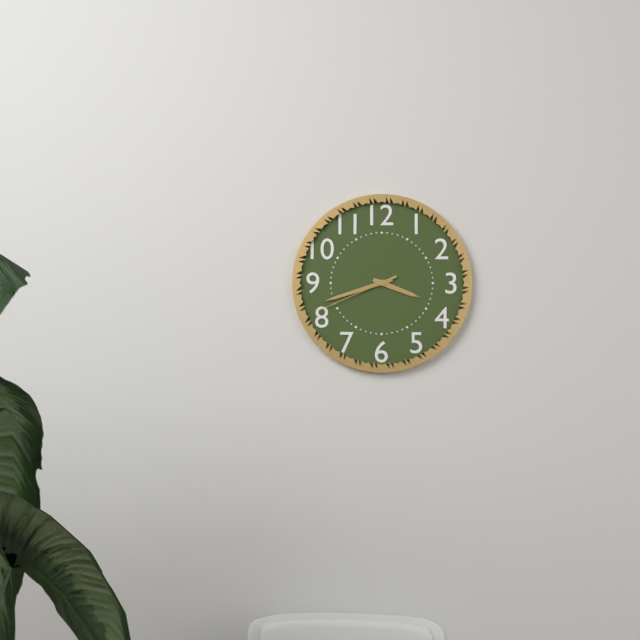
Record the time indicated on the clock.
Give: 3:42:41
